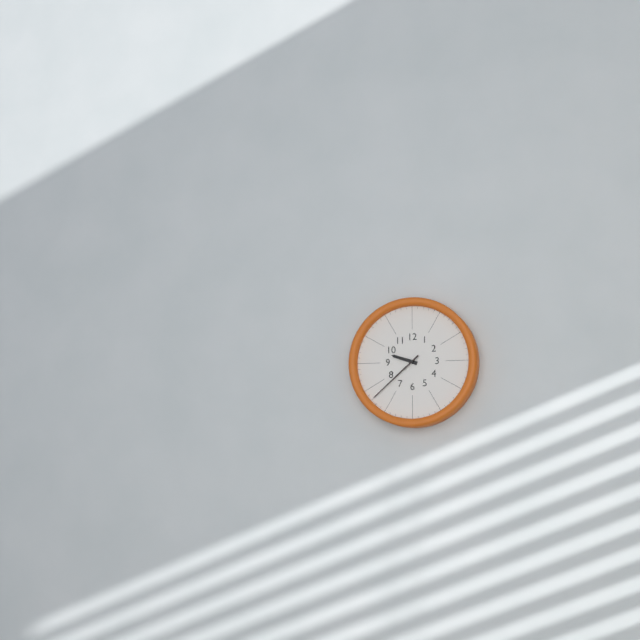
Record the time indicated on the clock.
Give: 9:38
